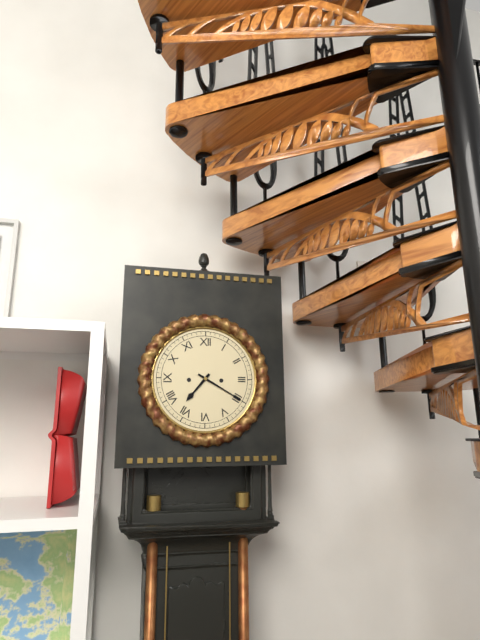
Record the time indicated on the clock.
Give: 7:20
